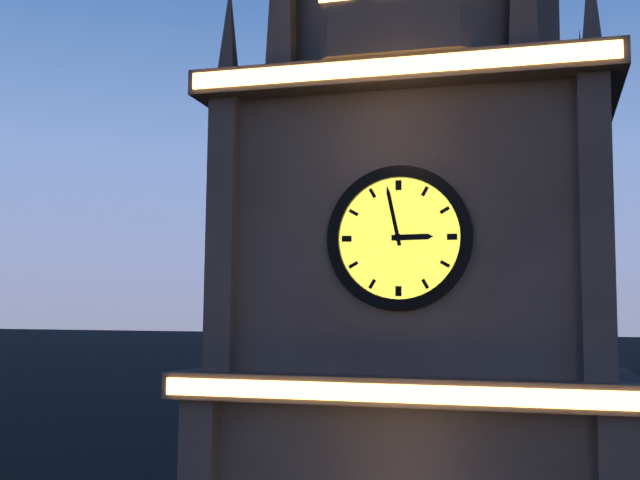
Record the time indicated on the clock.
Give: 2:58
